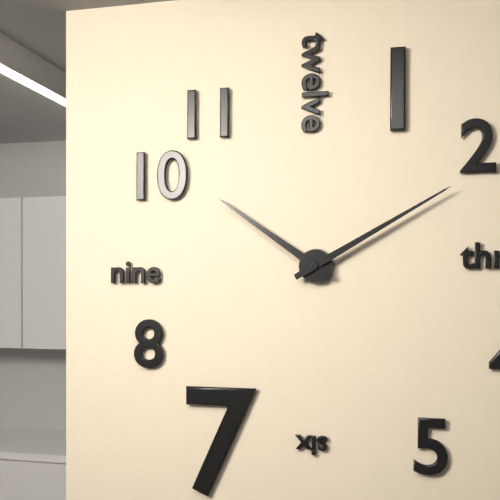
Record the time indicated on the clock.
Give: 10:10
